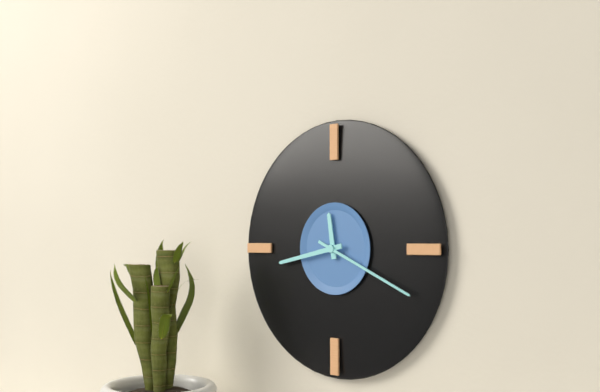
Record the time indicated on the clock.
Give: 11:43:19
